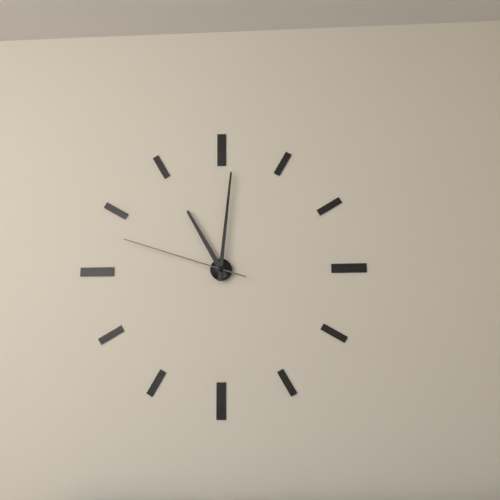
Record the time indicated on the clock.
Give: 11:01:48
